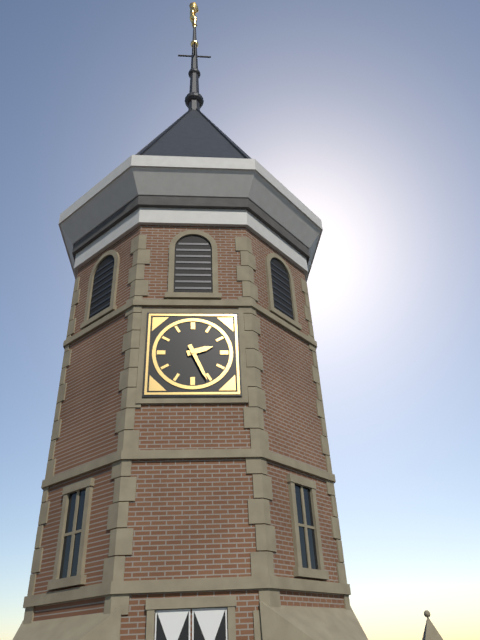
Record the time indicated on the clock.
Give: 2:26
